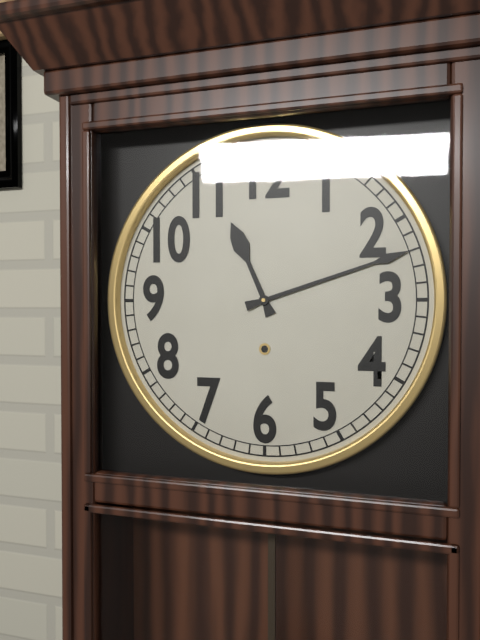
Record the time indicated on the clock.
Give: 11:12
